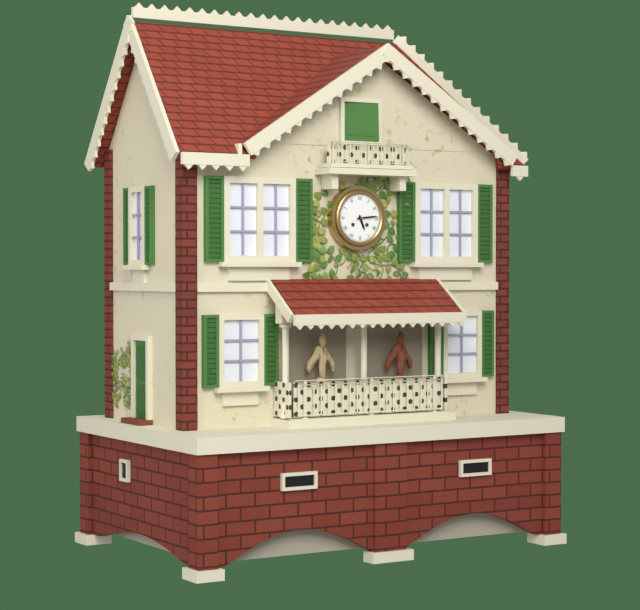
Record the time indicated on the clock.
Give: 5:14
